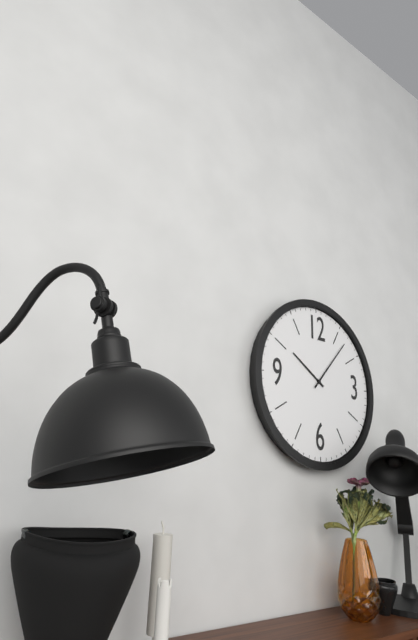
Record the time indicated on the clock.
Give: 10:07
